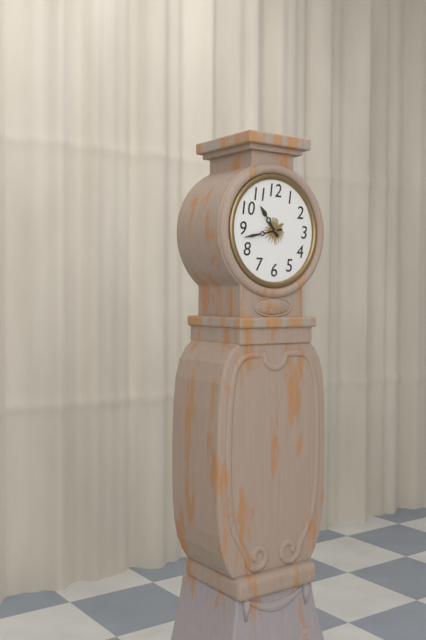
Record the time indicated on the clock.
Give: 10:43
